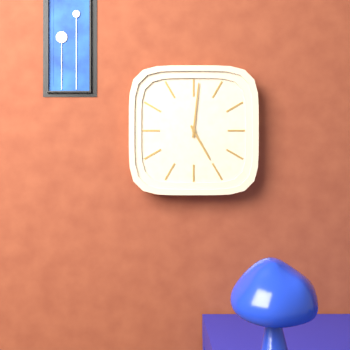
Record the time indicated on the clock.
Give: 5:01
